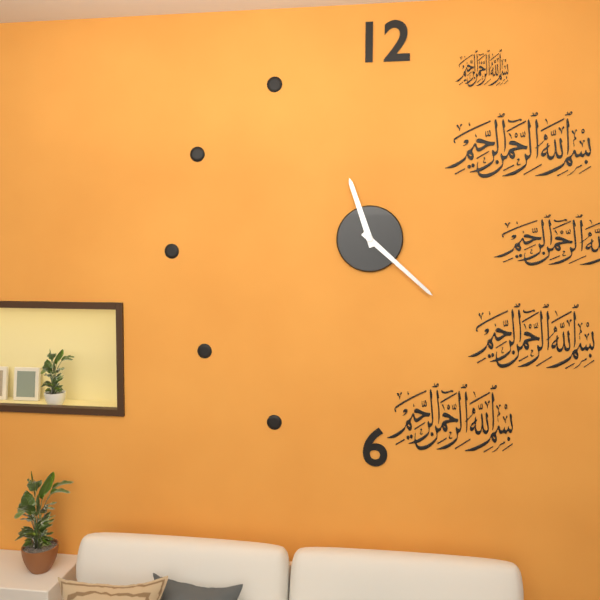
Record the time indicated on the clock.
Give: 11:22
